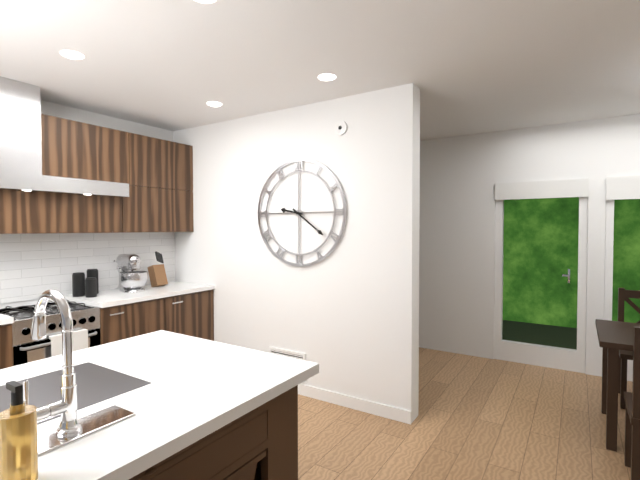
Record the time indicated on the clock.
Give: 9:21
